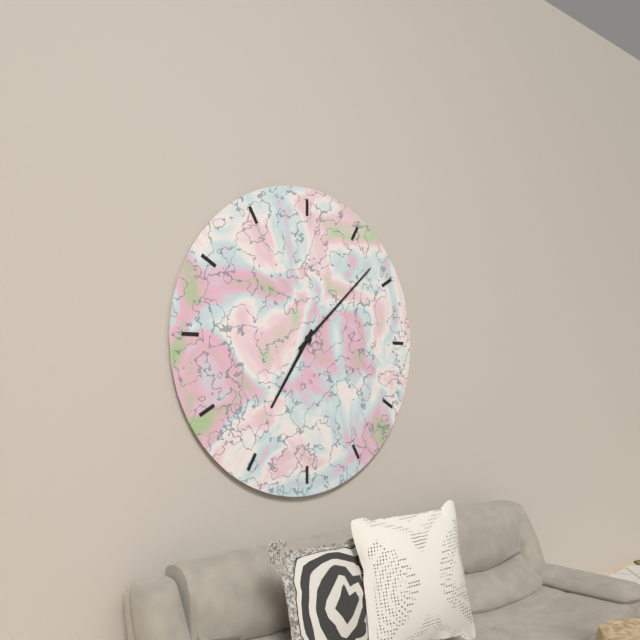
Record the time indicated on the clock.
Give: 7:08
